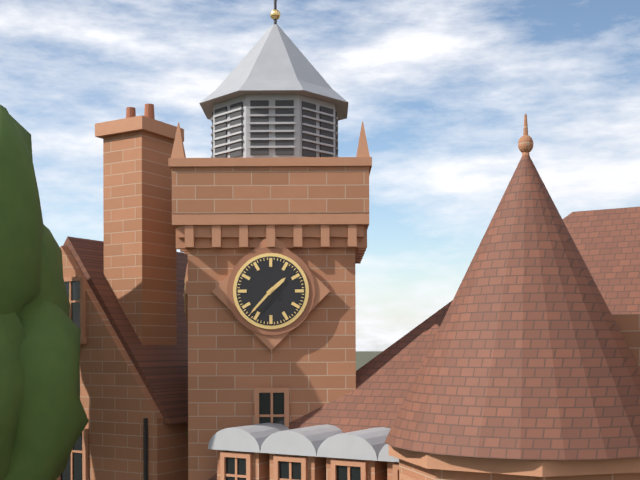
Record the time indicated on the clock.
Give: 1:37
